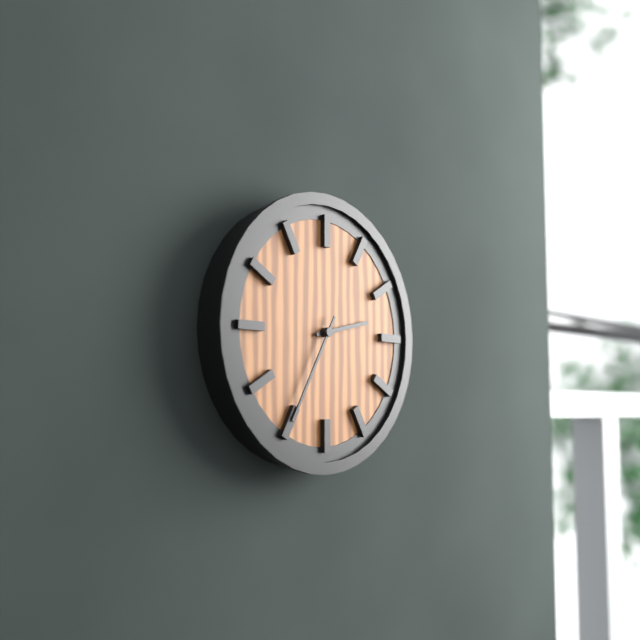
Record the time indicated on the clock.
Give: 2:35
